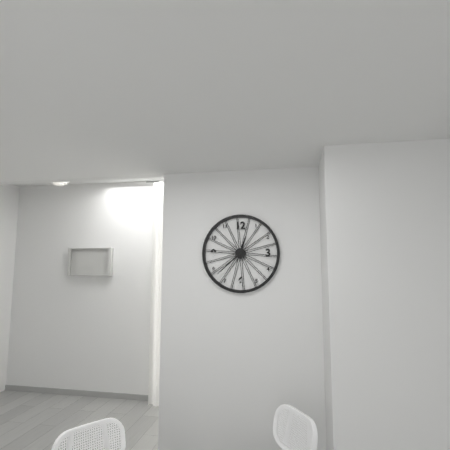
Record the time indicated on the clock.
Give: 12:38
